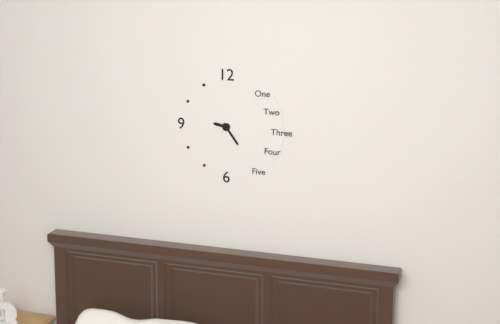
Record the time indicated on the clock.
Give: 9:24
